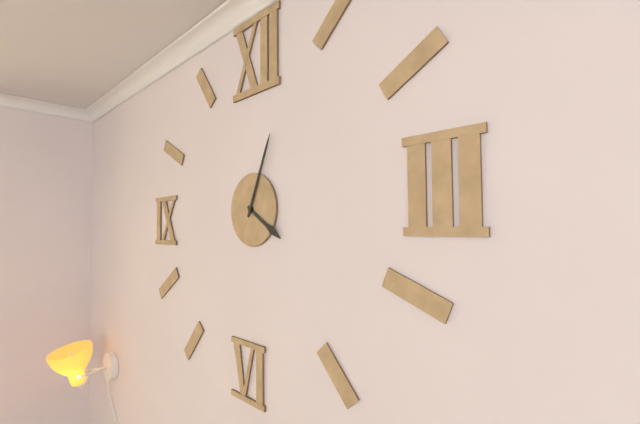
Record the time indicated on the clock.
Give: 4:04
